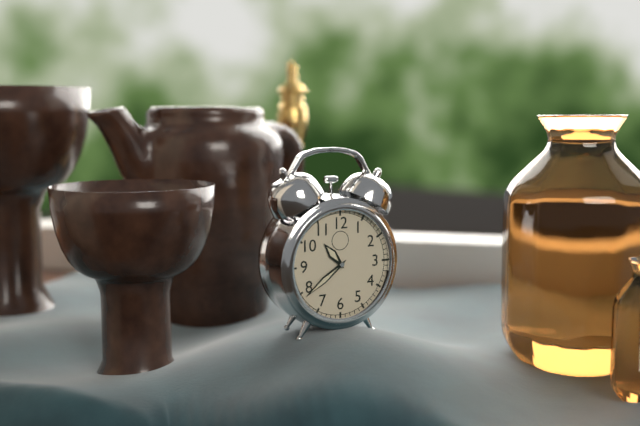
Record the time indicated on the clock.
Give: 10:39
